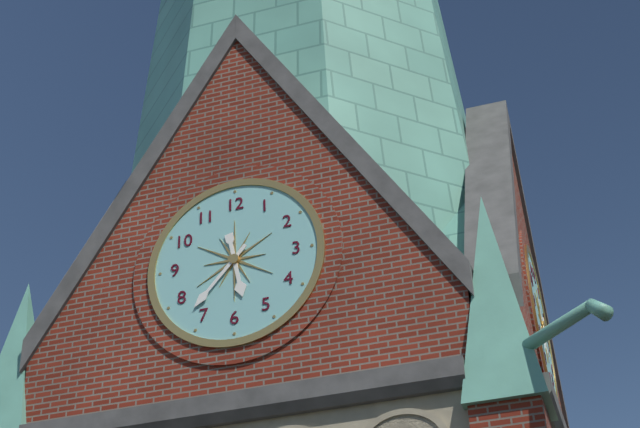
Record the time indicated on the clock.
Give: 5:37
